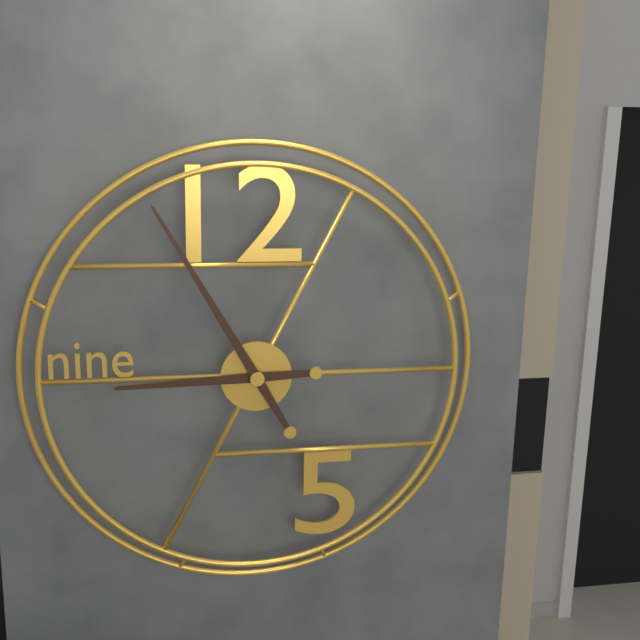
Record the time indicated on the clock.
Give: 8:55
